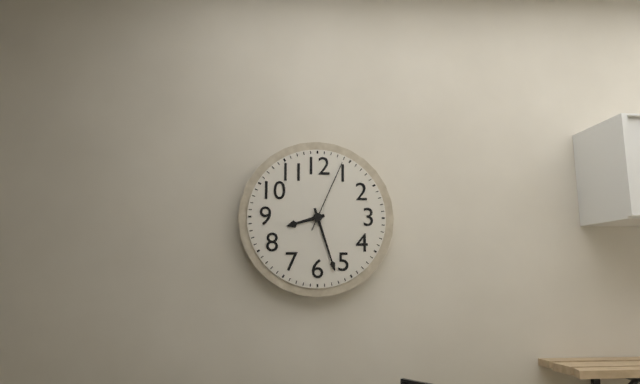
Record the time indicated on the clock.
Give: 8:27:04
